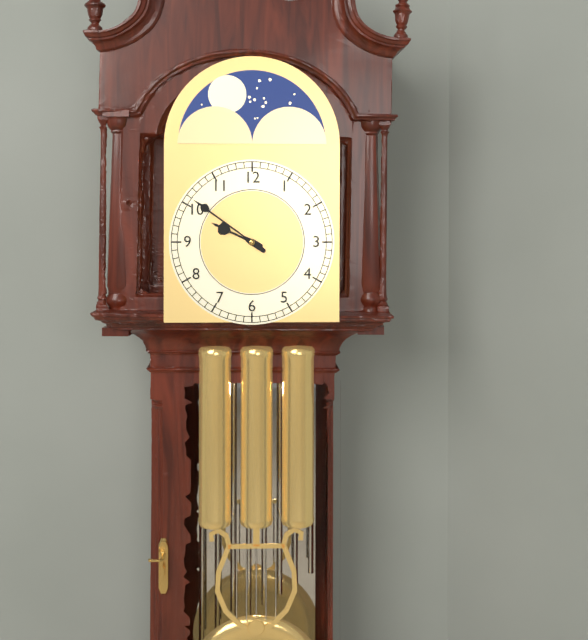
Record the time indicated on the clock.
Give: 9:51
